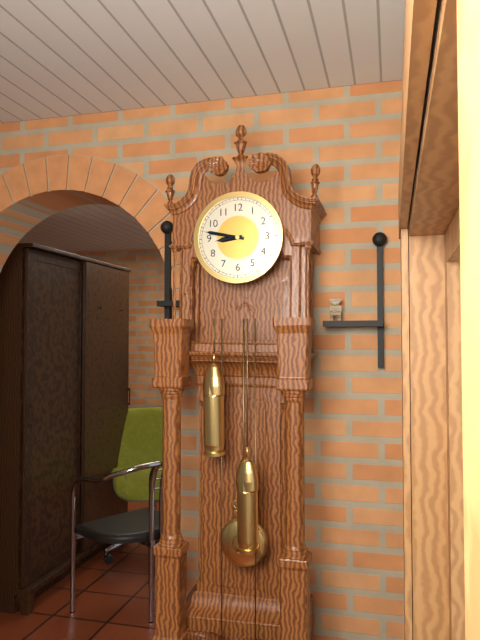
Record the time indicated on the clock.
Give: 8:47
